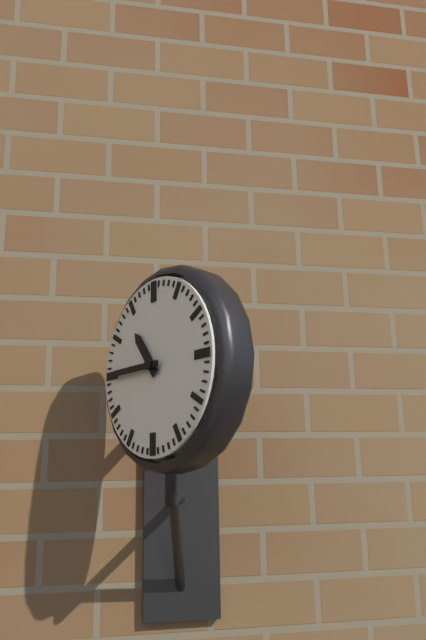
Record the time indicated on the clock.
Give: 10:45
